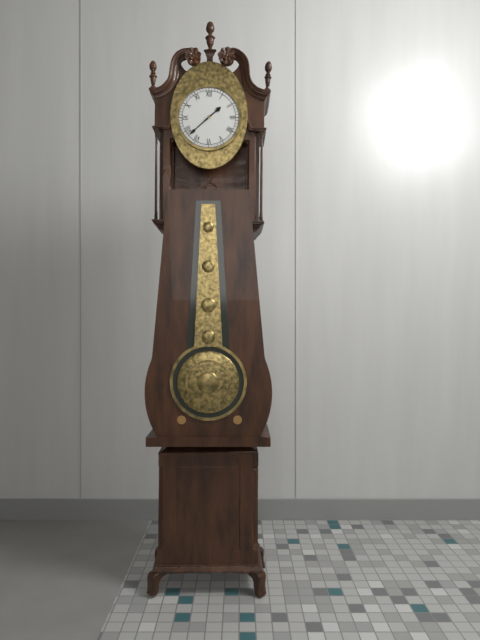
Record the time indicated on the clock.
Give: 1:38
